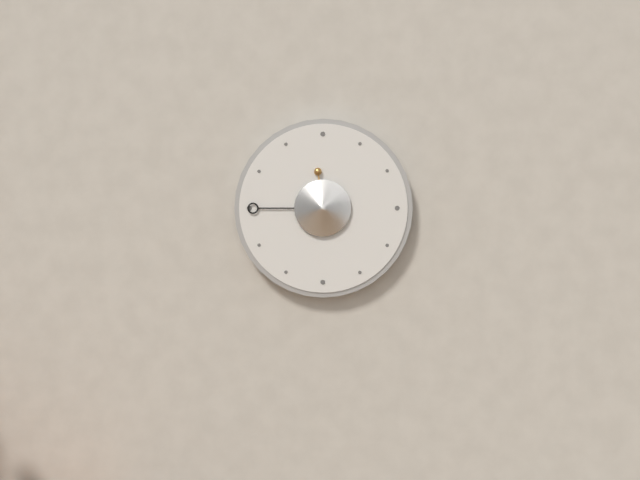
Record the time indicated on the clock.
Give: 11:45
